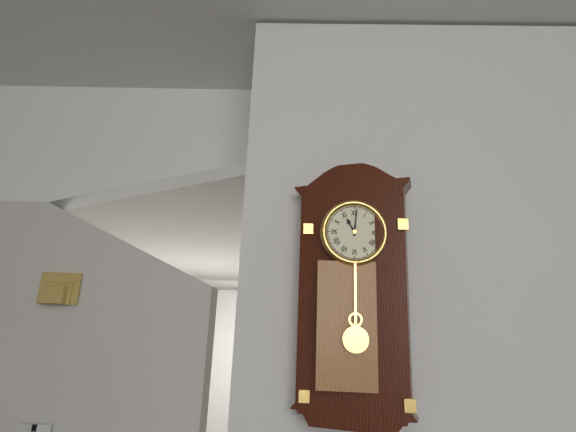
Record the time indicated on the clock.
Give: 11:01
